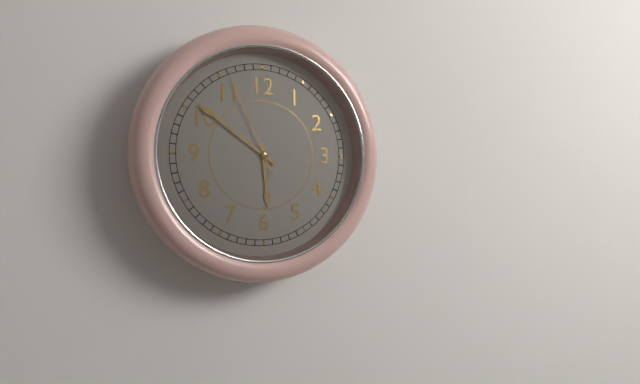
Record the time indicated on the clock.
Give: 5:51:56
